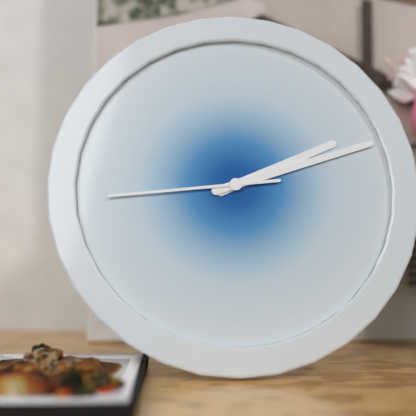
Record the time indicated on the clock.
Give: 2:12:44
